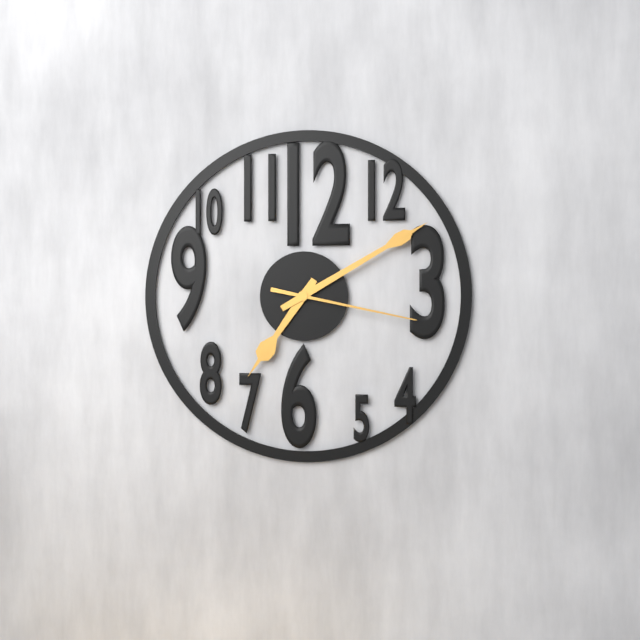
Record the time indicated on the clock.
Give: 7:10:17
